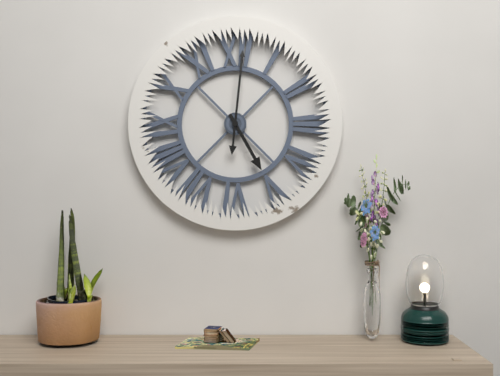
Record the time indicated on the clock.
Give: 5:01
